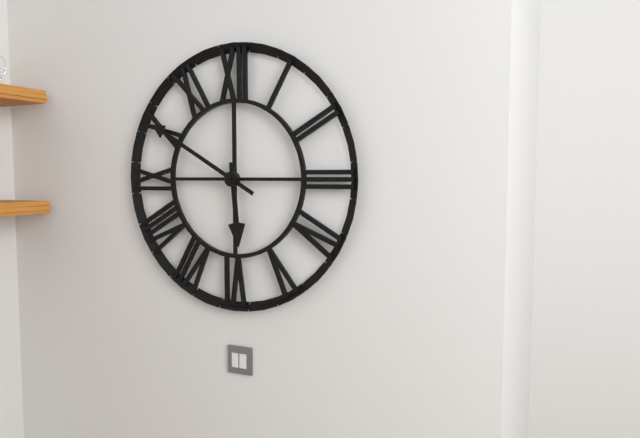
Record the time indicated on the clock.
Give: 5:50
